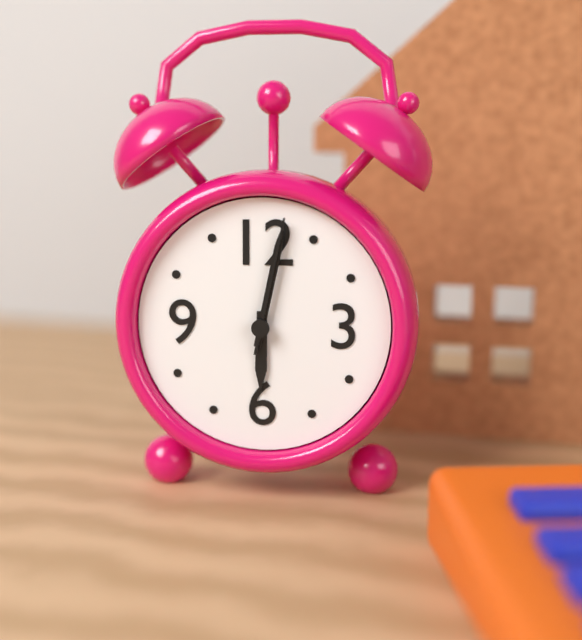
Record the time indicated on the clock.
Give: 6:02:02
